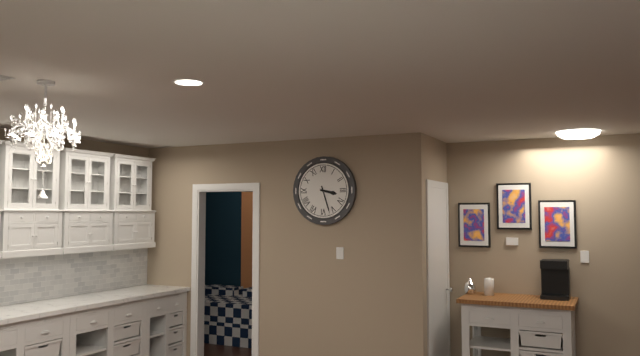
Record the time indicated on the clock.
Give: 3:27
